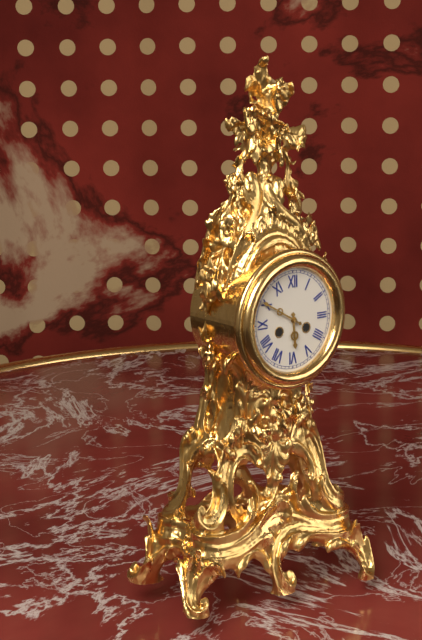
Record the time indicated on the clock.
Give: 5:50
